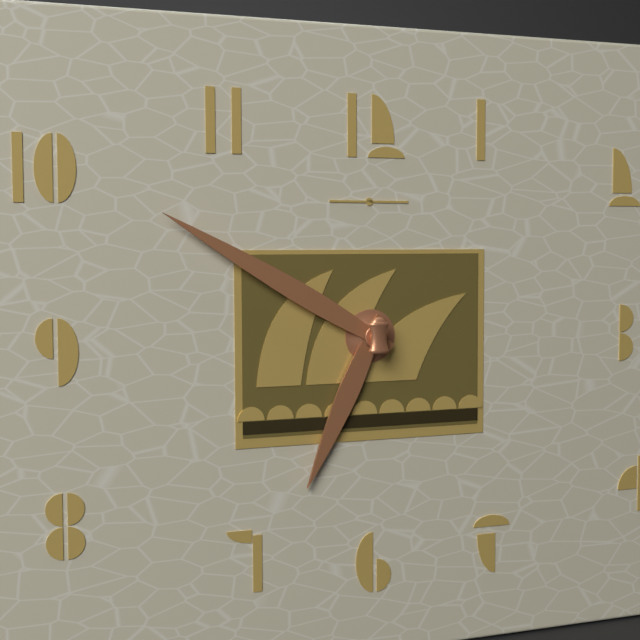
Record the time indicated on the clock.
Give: 6:50
